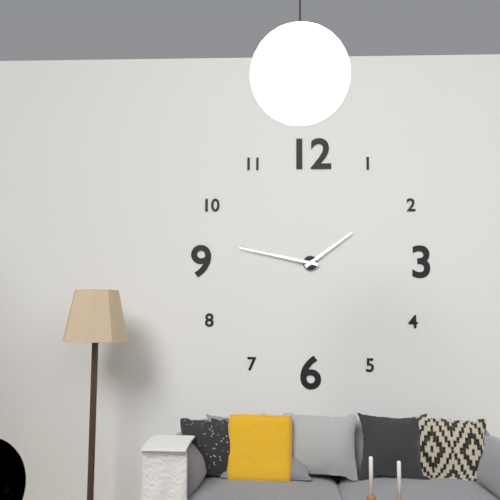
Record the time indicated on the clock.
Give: 1:47
